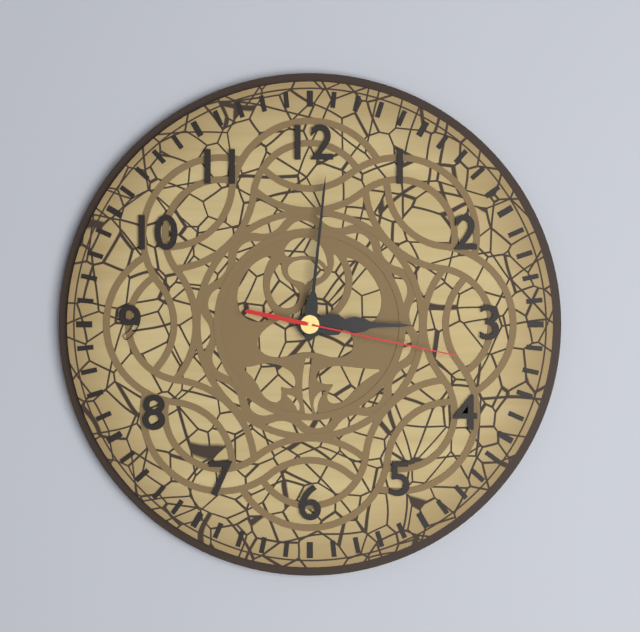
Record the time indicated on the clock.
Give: 3:01:17
